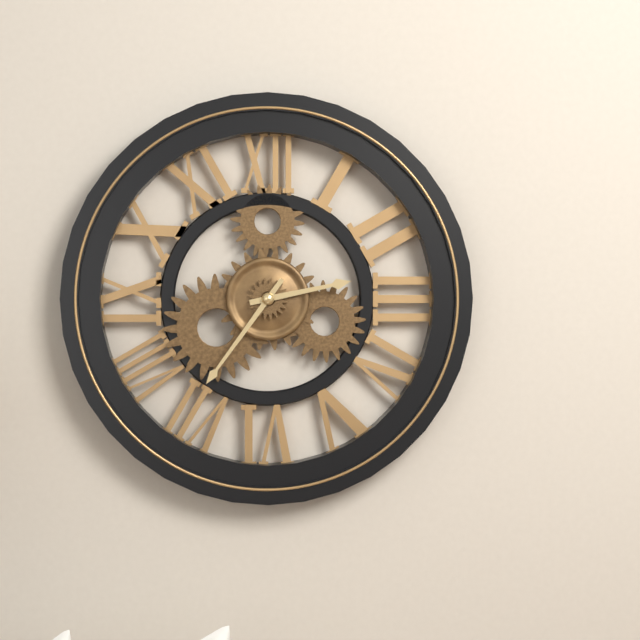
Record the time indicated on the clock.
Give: 2:36
